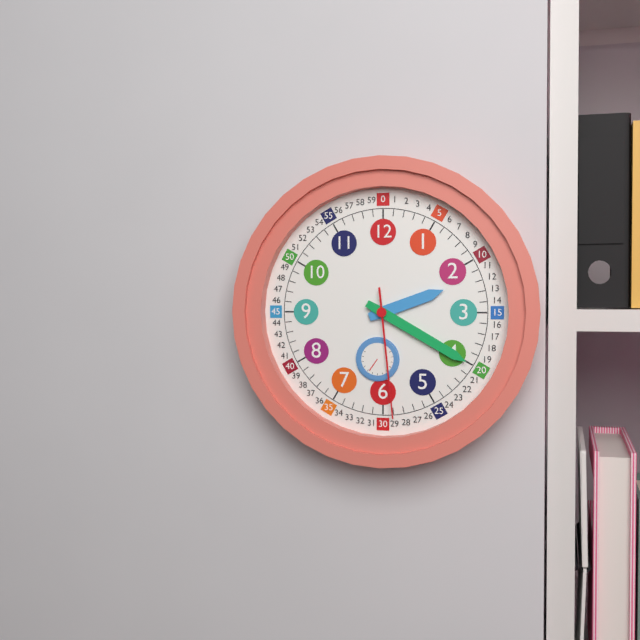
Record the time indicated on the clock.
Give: 2:20:29
